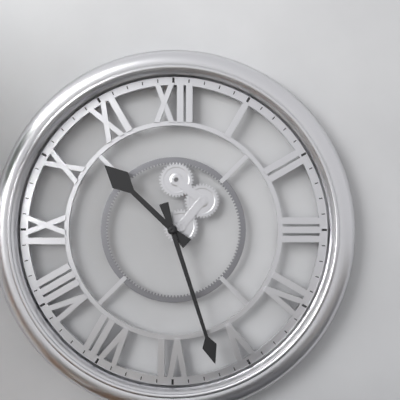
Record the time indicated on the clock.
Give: 10:27
